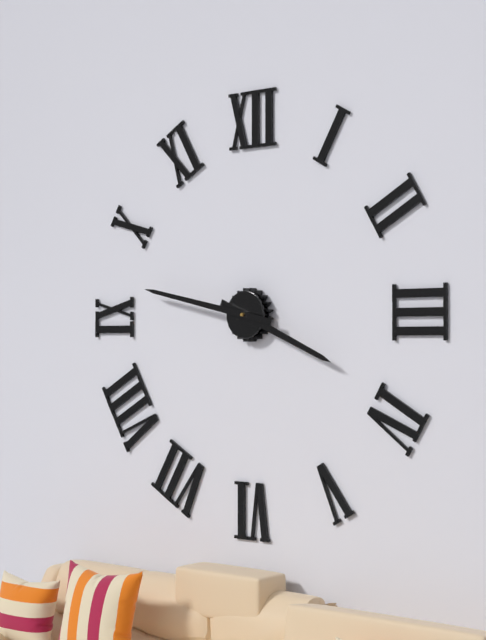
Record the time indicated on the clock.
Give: 3:47
